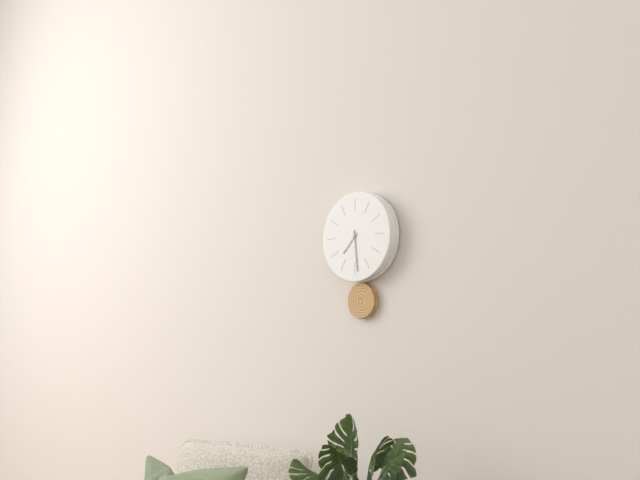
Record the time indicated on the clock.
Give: 7:29
